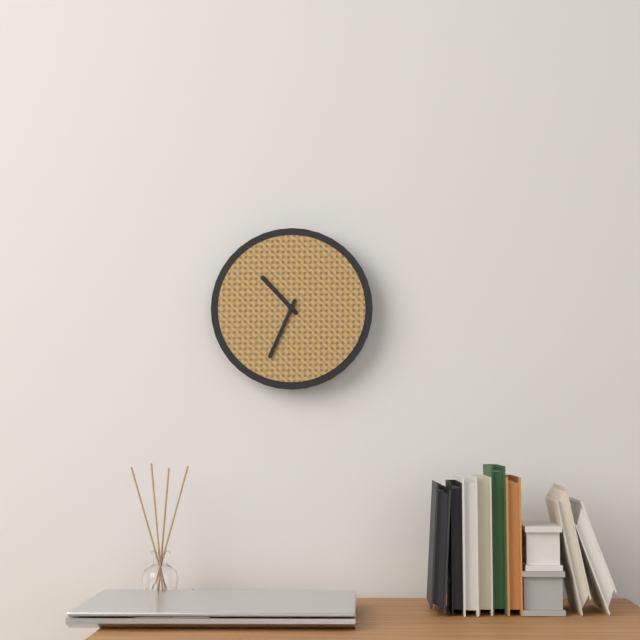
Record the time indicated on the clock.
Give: 10:34
